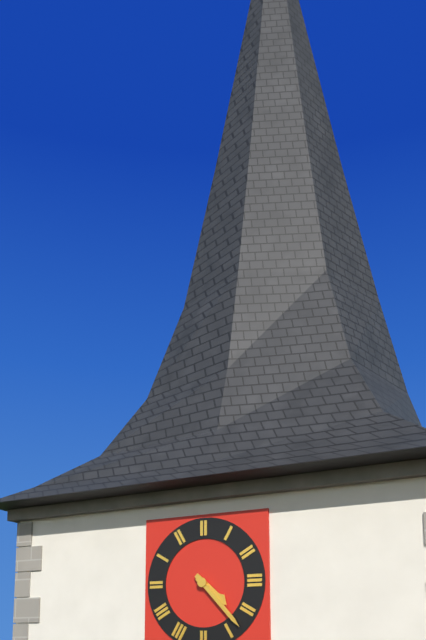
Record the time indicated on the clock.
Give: 4:23
